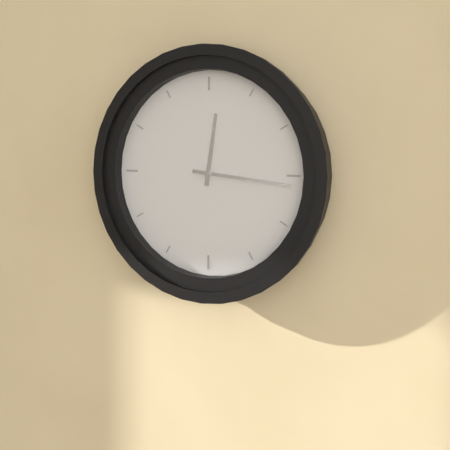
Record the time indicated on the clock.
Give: 12:16
